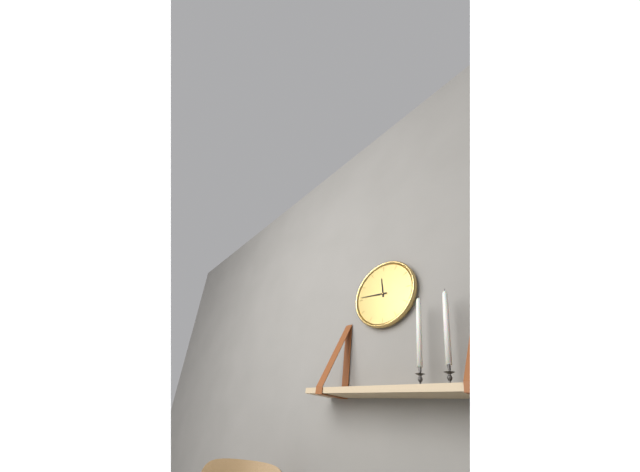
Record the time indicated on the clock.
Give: 11:46
